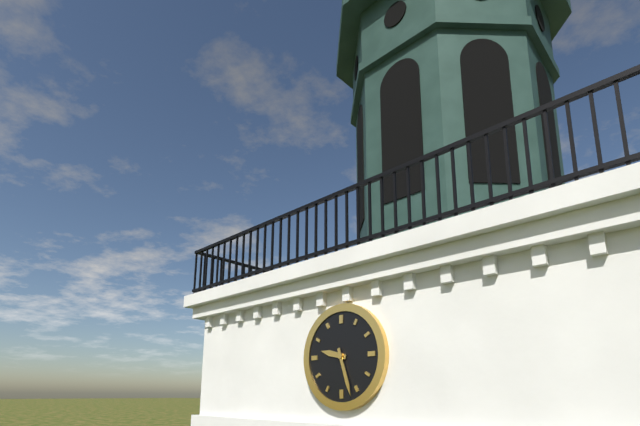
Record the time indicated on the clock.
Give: 9:27
